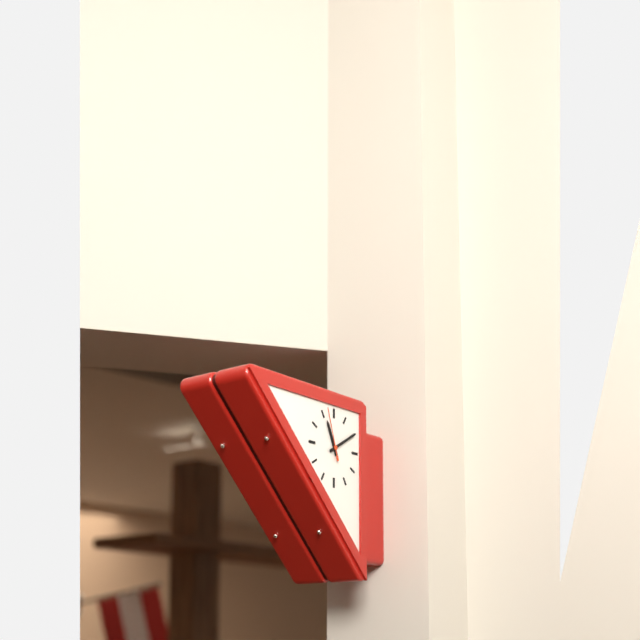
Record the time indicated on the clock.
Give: 11:10:57
